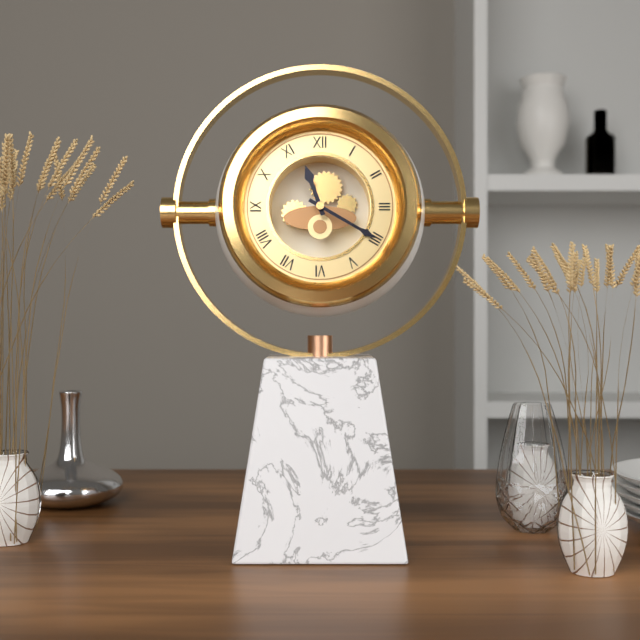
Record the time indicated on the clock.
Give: 11:20
